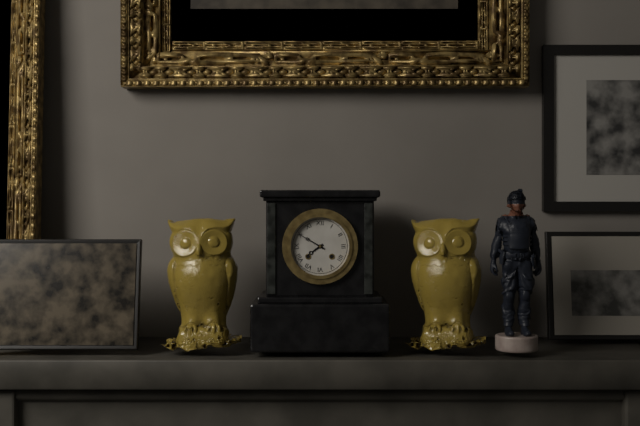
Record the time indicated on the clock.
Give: 7:50
